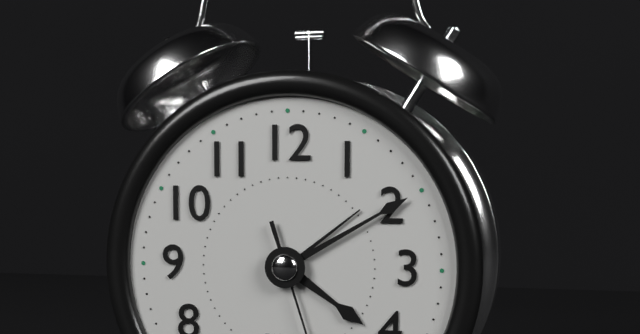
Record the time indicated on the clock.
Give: 4:10
